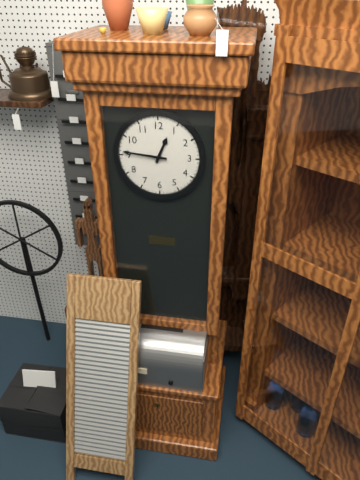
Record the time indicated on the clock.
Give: 12:46
